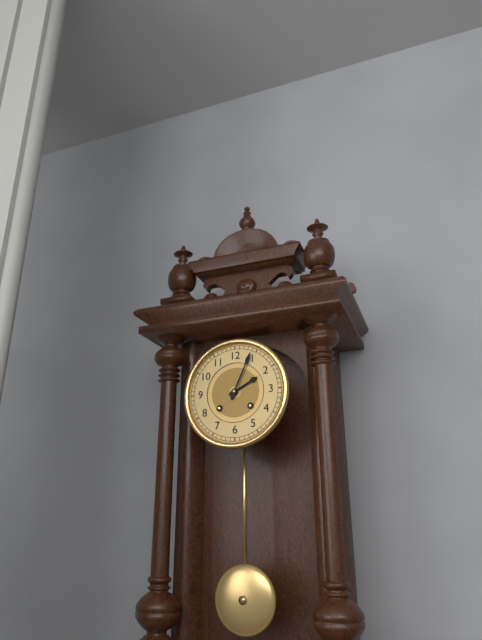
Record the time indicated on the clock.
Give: 2:04
